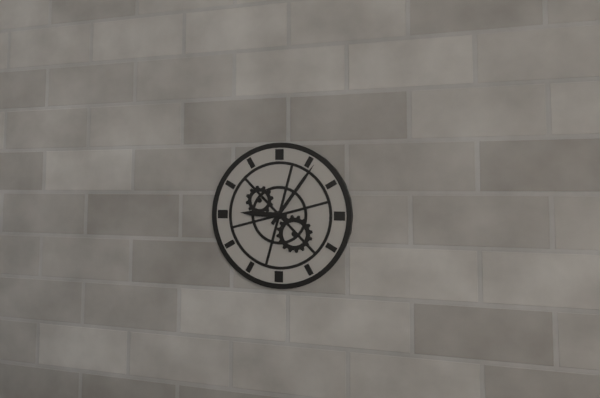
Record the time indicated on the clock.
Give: 9:06
